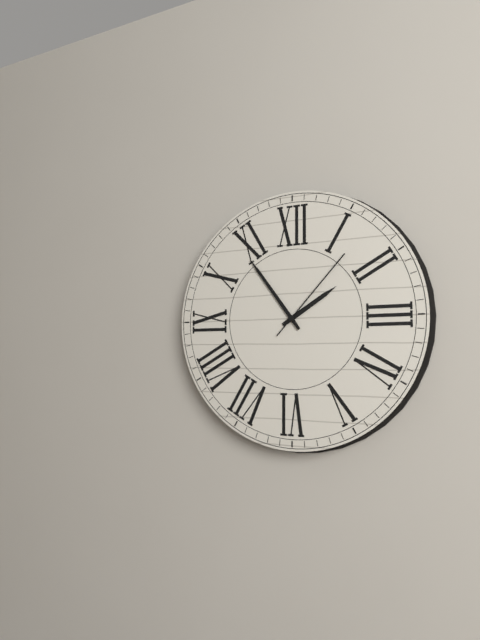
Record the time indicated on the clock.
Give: 1:54:07
